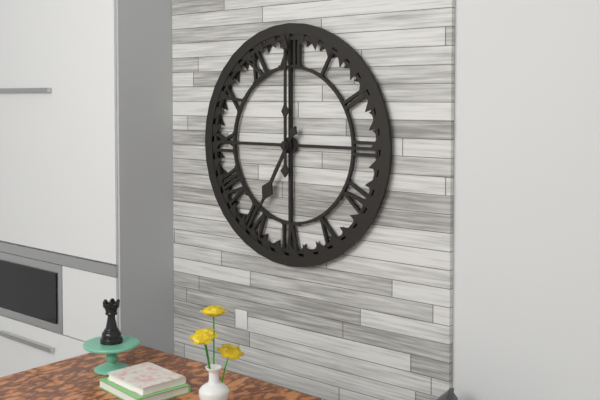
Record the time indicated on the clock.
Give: 7:00
